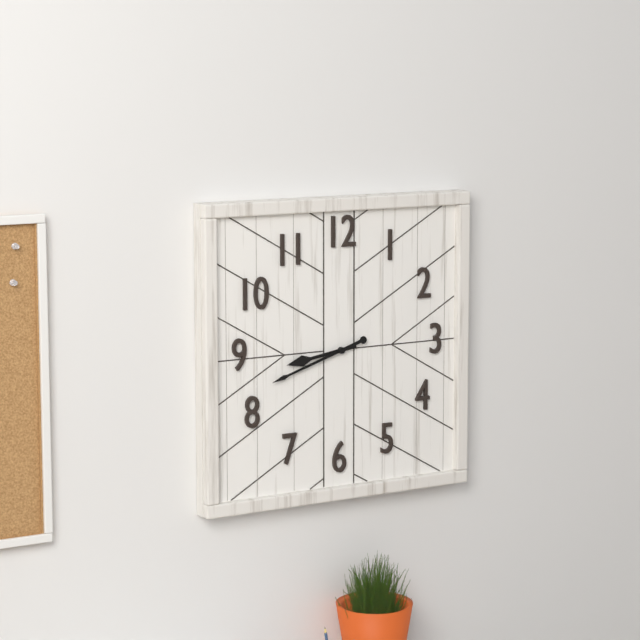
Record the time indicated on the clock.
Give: 8:42
